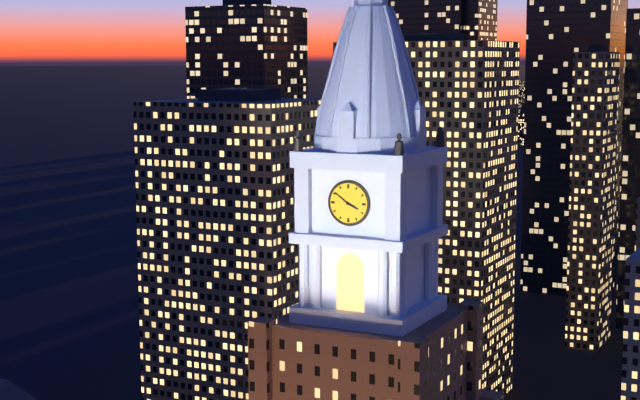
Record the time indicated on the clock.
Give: 3:51
